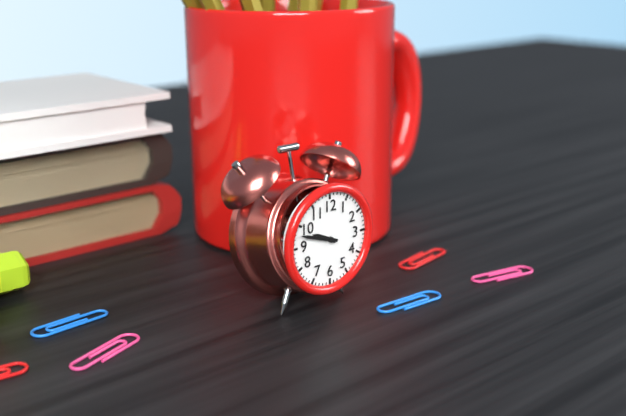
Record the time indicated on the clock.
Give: 9:48
